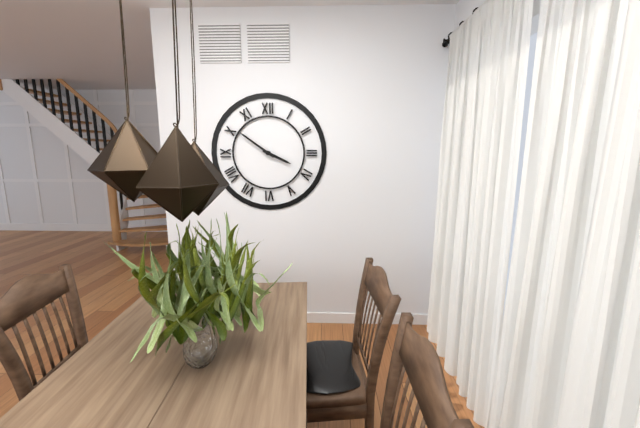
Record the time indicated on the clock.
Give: 3:51
